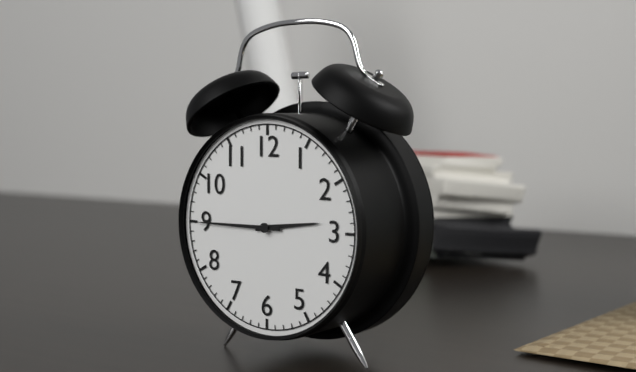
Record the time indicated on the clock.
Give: 2:45
